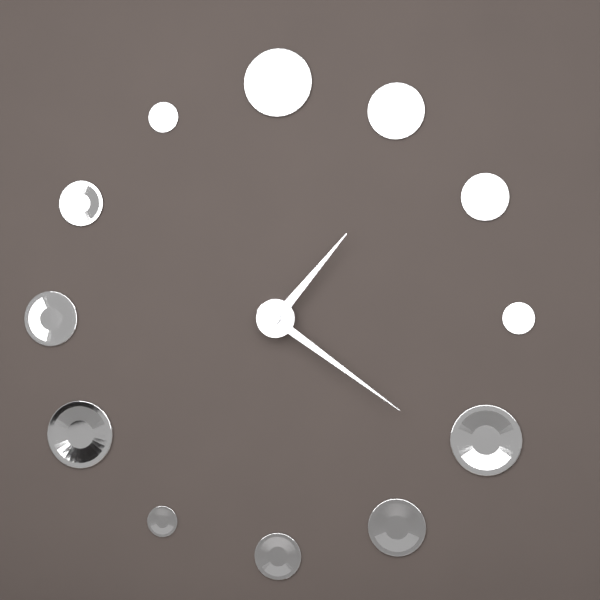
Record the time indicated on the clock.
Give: 1:21
